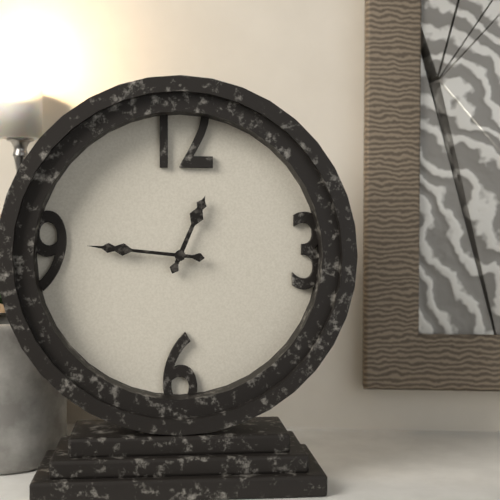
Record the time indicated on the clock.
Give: 12:46
